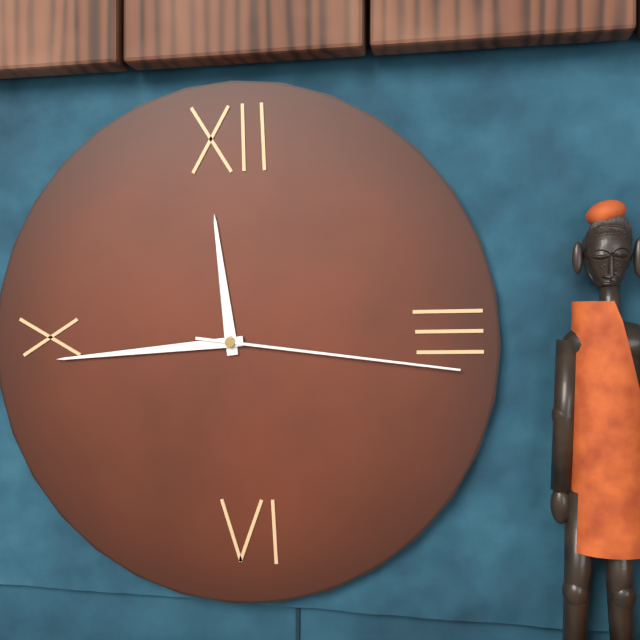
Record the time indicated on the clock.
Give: 11:44:16
